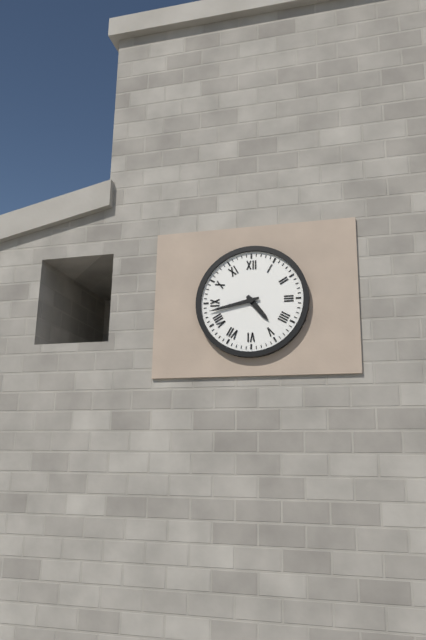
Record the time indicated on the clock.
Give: 4:43
